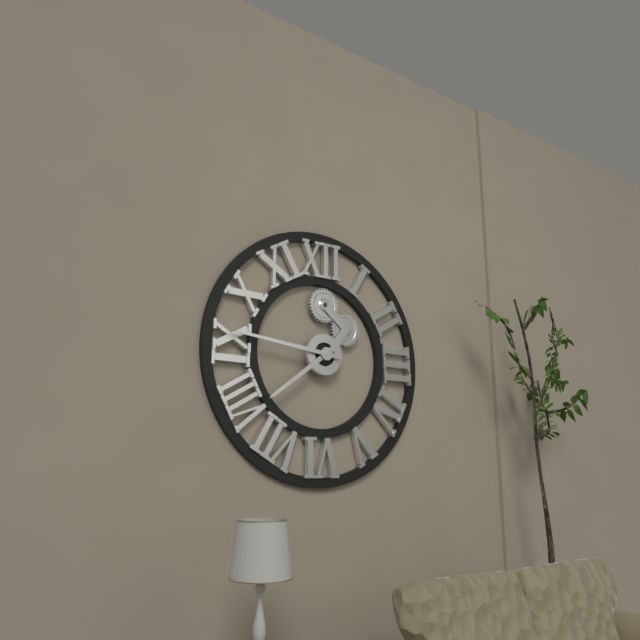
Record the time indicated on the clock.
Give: 7:46
